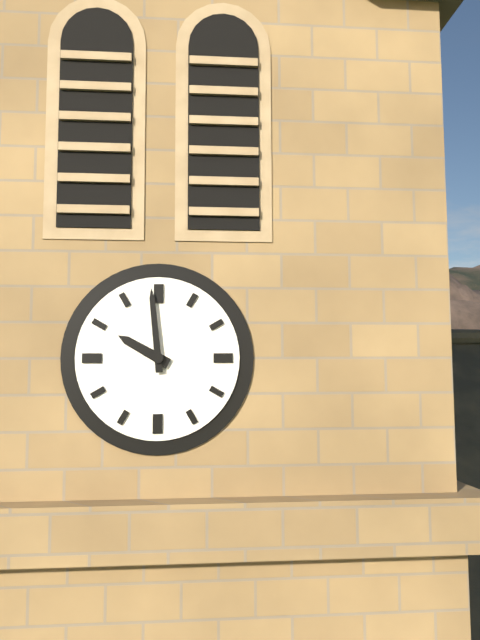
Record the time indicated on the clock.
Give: 9:59
